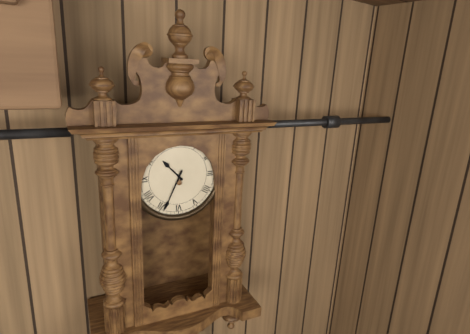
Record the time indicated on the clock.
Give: 10:34
